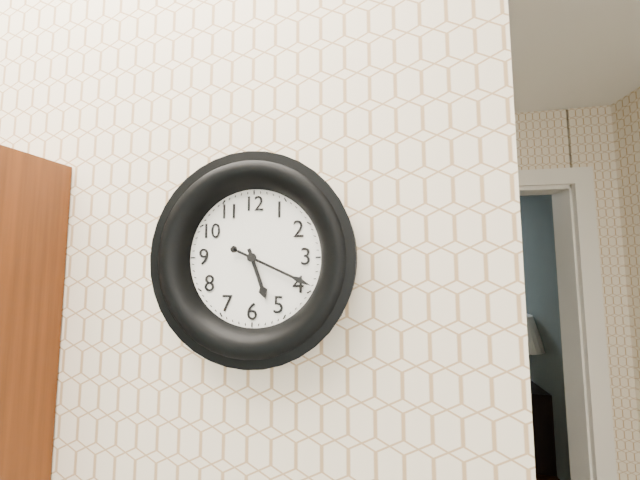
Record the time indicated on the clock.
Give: 5:19
